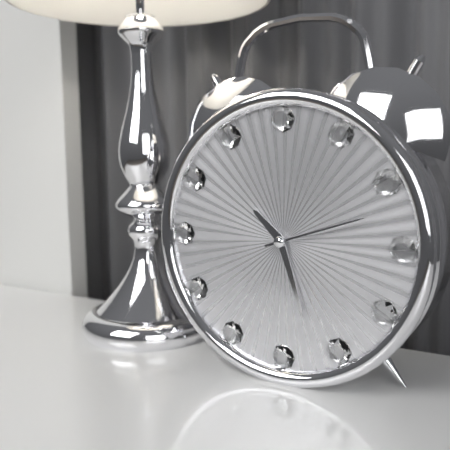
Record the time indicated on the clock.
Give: 10:27:12
